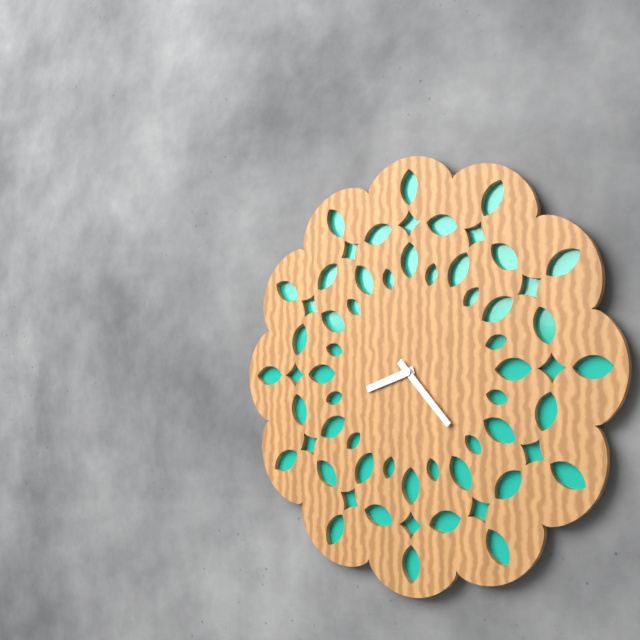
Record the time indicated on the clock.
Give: 8:23
